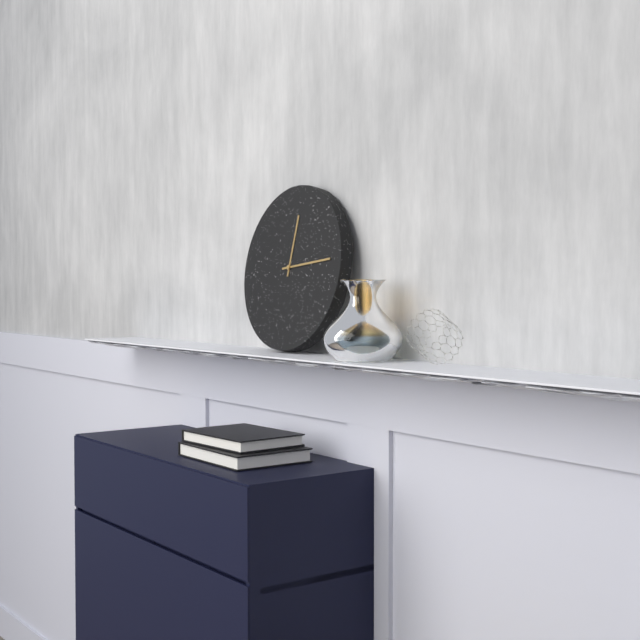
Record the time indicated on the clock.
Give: 12:14
